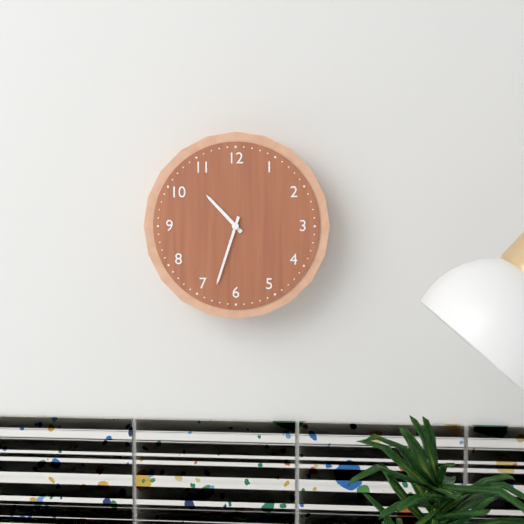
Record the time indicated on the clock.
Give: 10:33
